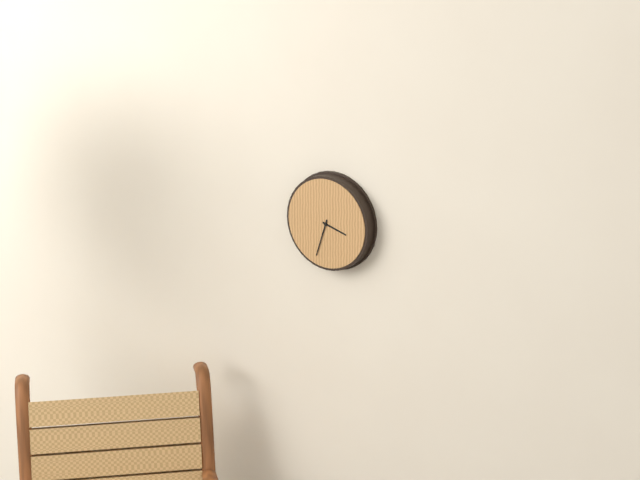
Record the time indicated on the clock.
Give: 3:33
